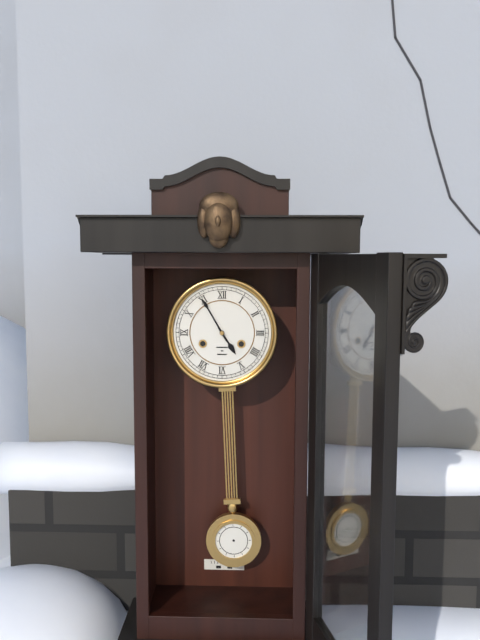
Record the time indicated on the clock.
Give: 4:55
